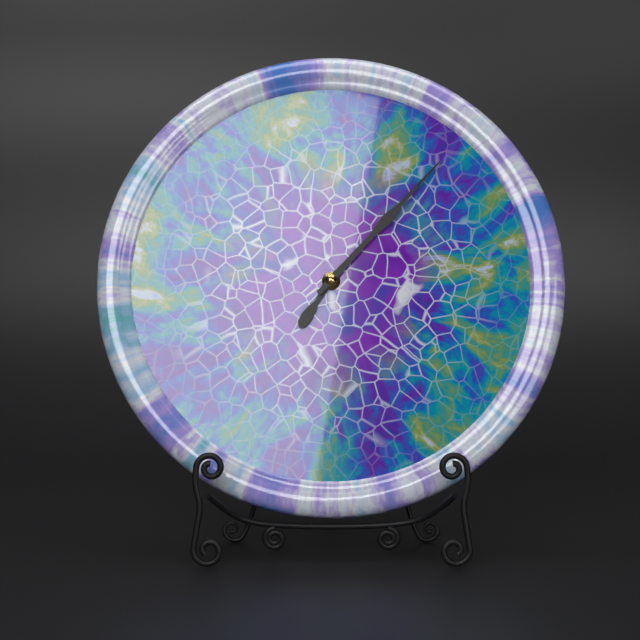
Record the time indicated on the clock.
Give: 7:07
